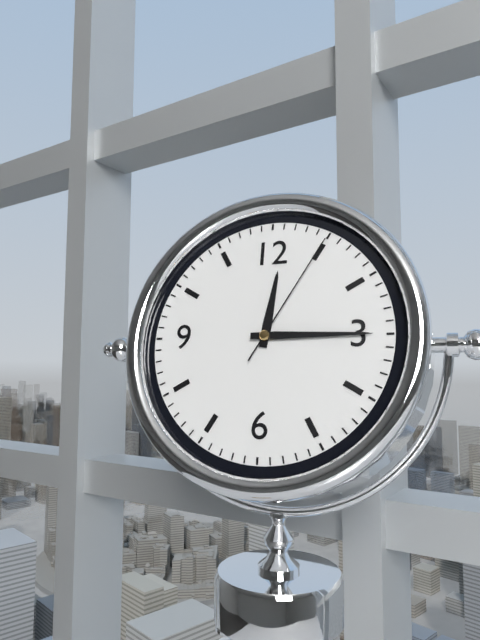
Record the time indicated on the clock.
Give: 12:15:05
